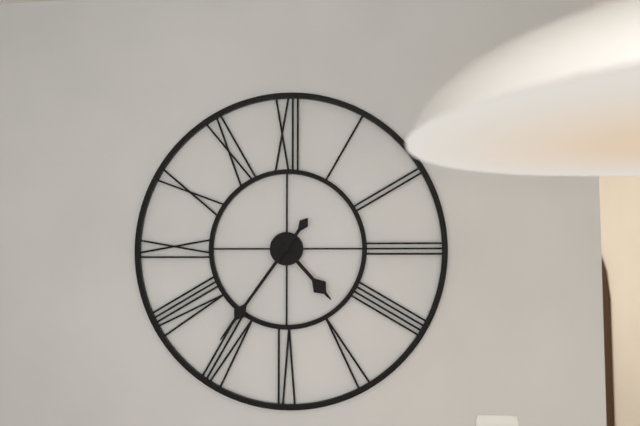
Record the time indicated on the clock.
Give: 4:36
